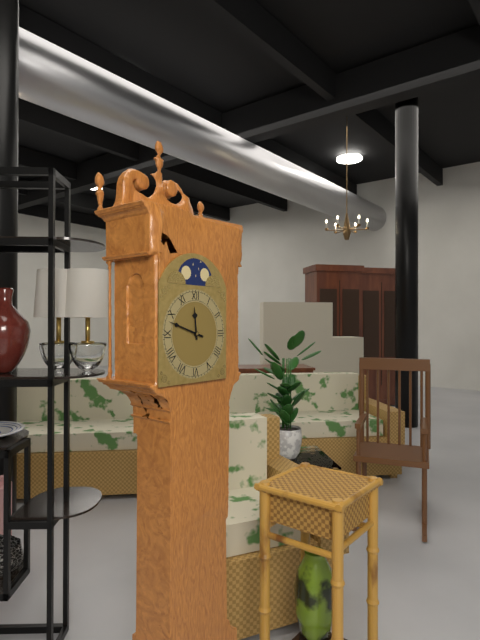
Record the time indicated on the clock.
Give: 11:48
